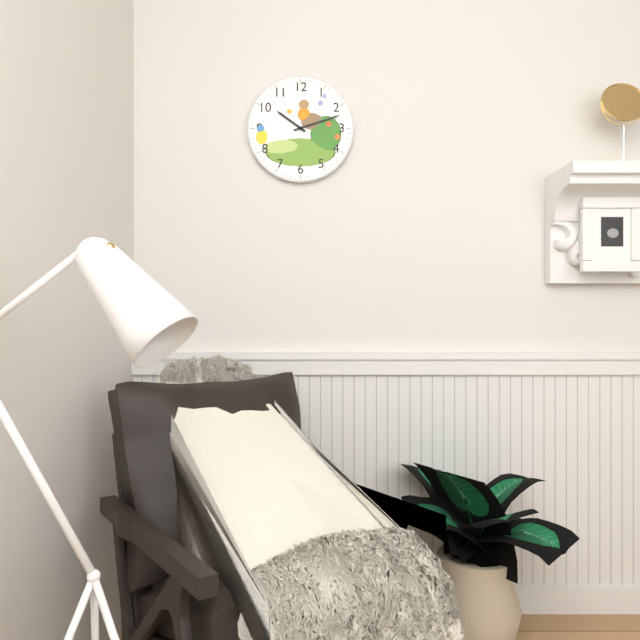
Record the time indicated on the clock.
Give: 10:12
